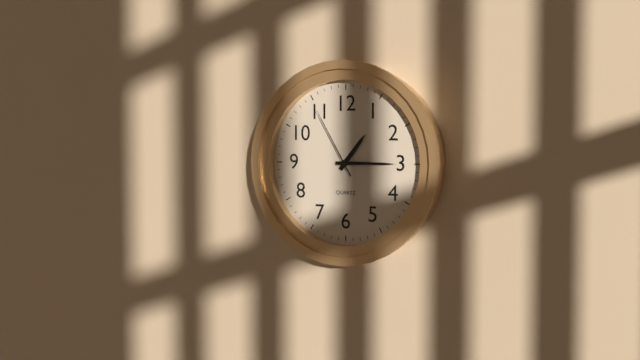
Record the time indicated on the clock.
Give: 1:15:55
